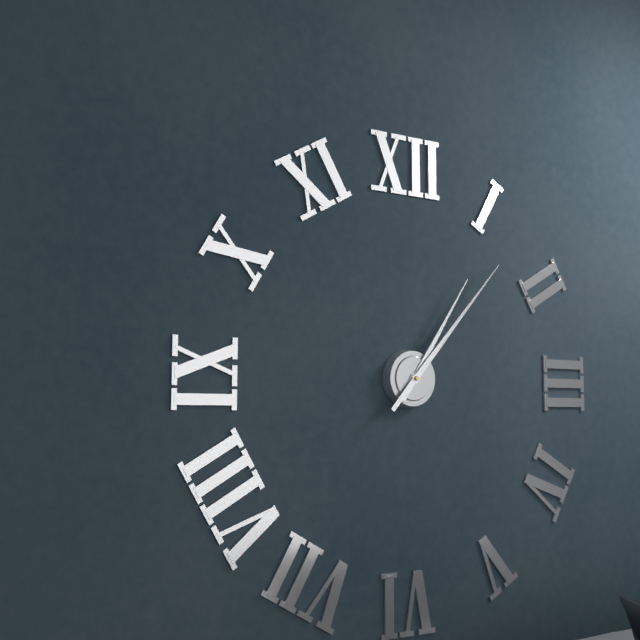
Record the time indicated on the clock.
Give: 1:07
